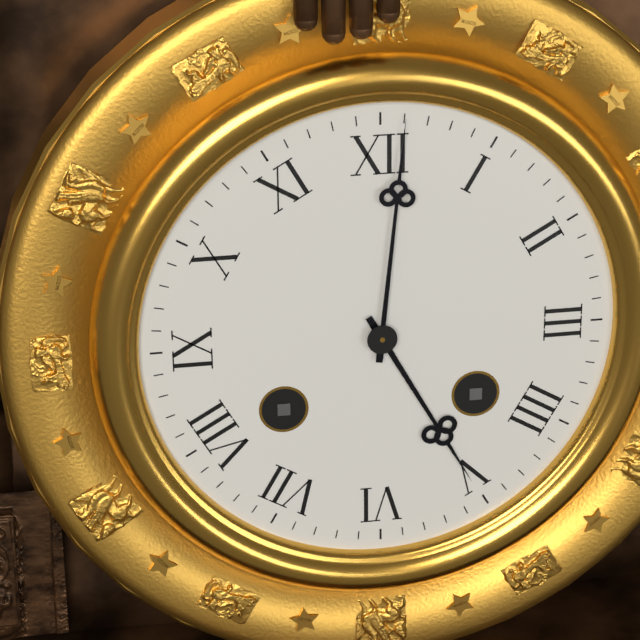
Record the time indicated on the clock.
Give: 5:01
